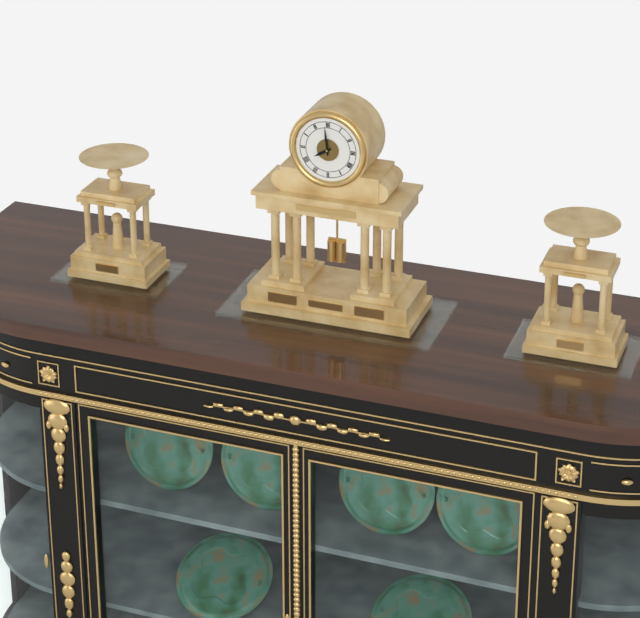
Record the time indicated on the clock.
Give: 7:59
